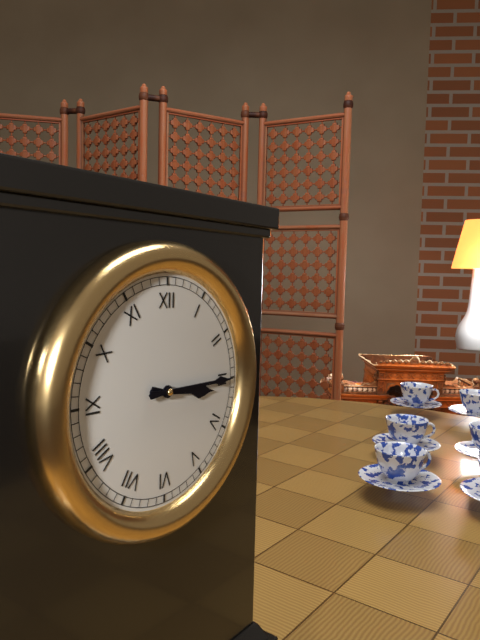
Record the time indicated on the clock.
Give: 3:15
